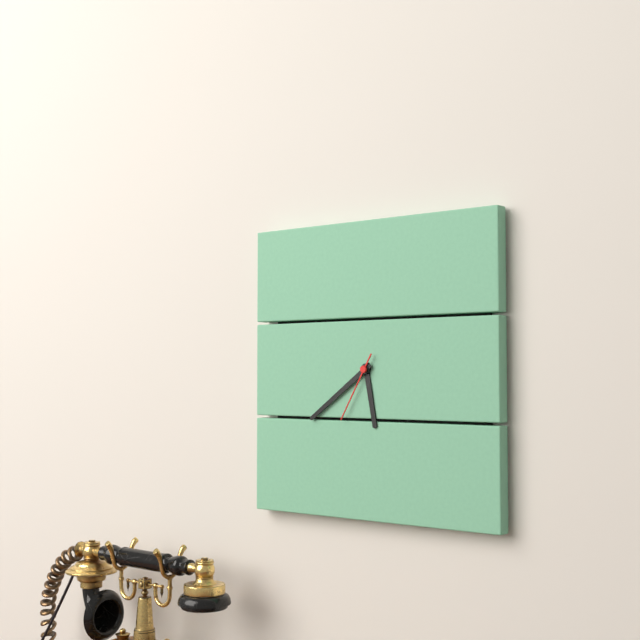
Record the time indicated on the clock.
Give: 5:39:35
